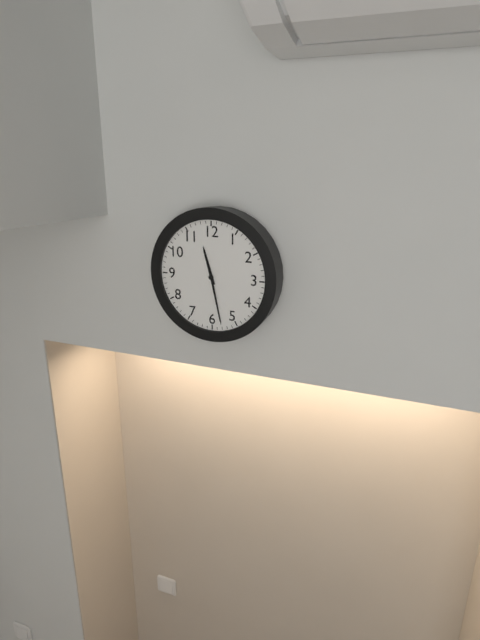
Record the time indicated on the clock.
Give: 11:28
